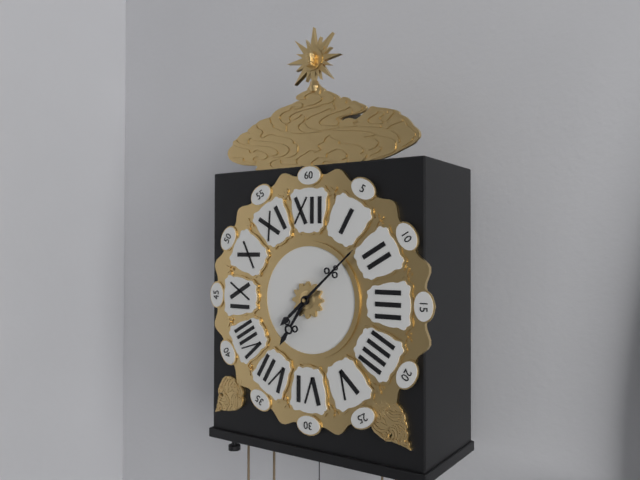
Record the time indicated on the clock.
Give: 7:08
